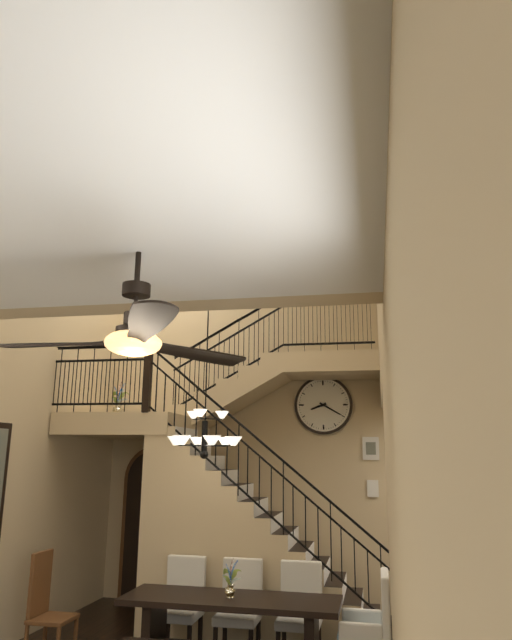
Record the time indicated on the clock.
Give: 8:20
